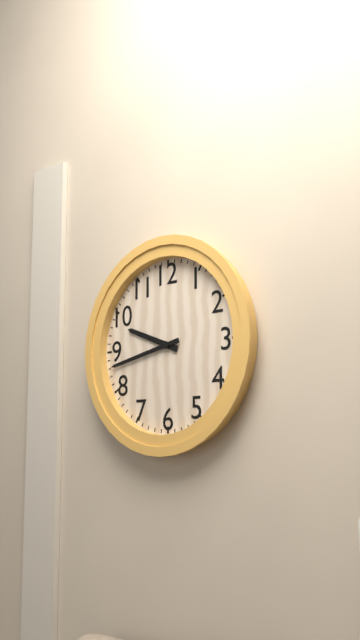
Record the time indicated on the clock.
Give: 9:43
